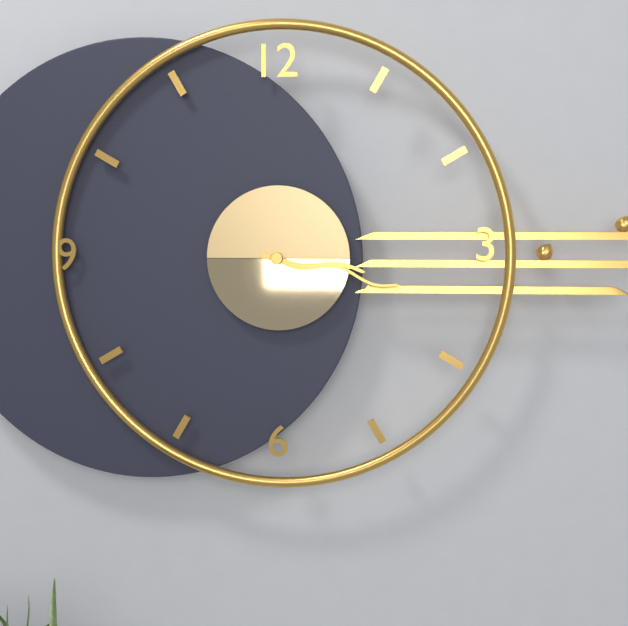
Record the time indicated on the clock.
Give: 3:17
